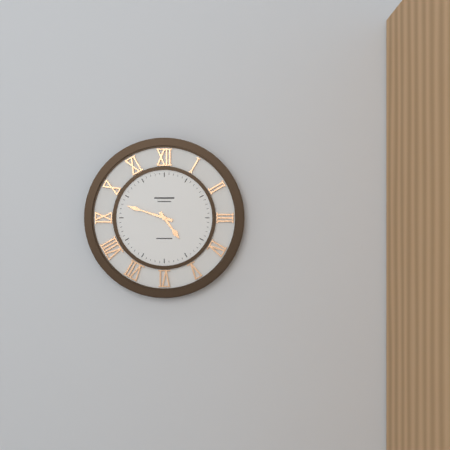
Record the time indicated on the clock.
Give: 4:48
